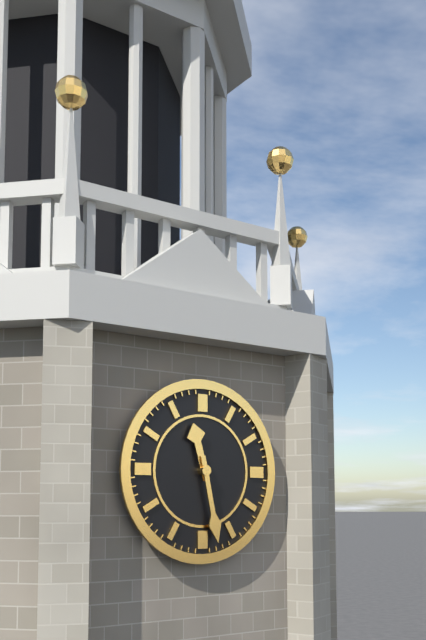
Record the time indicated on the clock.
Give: 11:28
